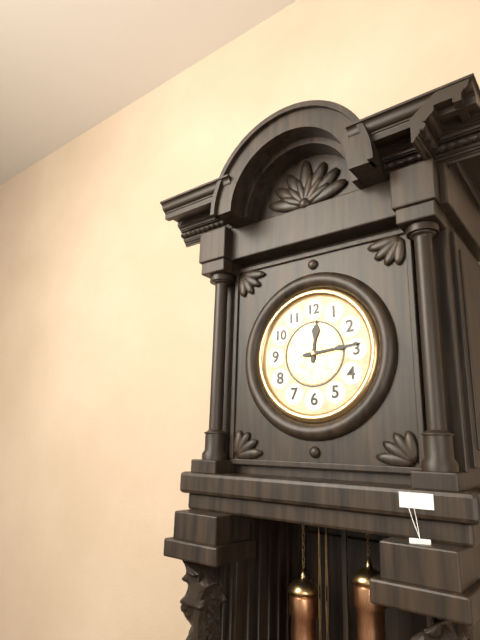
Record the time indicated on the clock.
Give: 12:14
